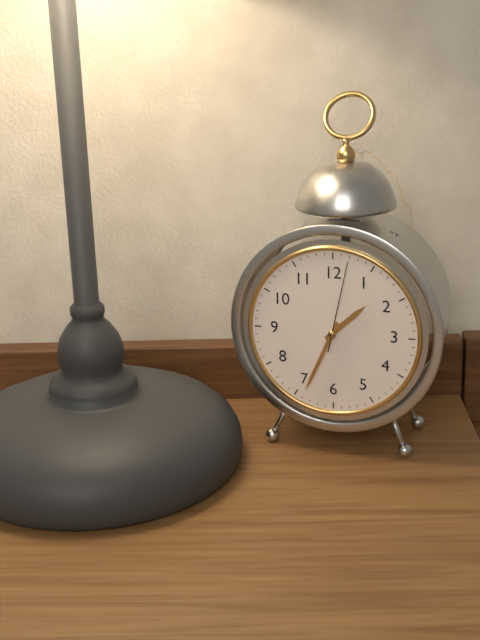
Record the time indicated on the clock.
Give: 1:34:02
